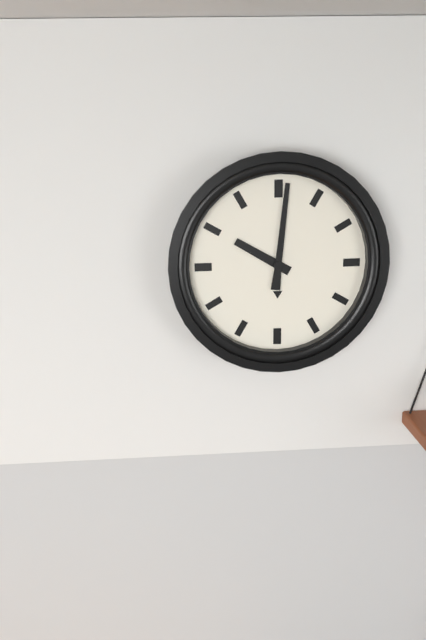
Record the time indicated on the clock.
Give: 10:01
